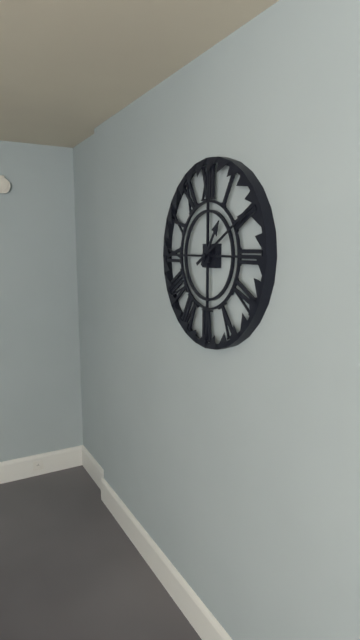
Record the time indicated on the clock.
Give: 1:10
